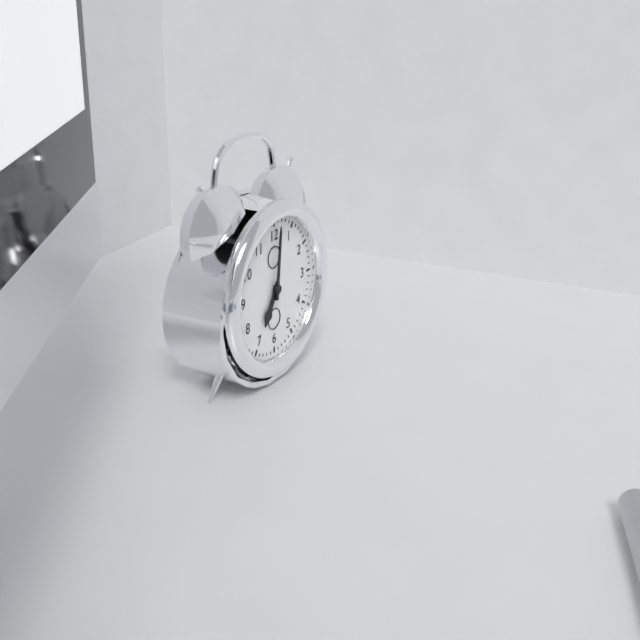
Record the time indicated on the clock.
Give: 7:01
